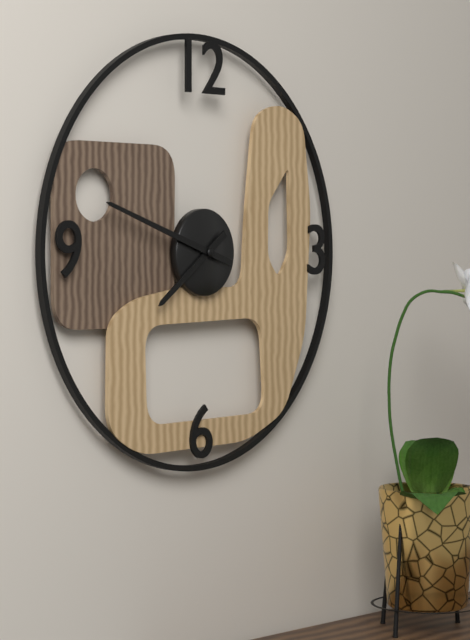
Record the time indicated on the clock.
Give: 7:48
